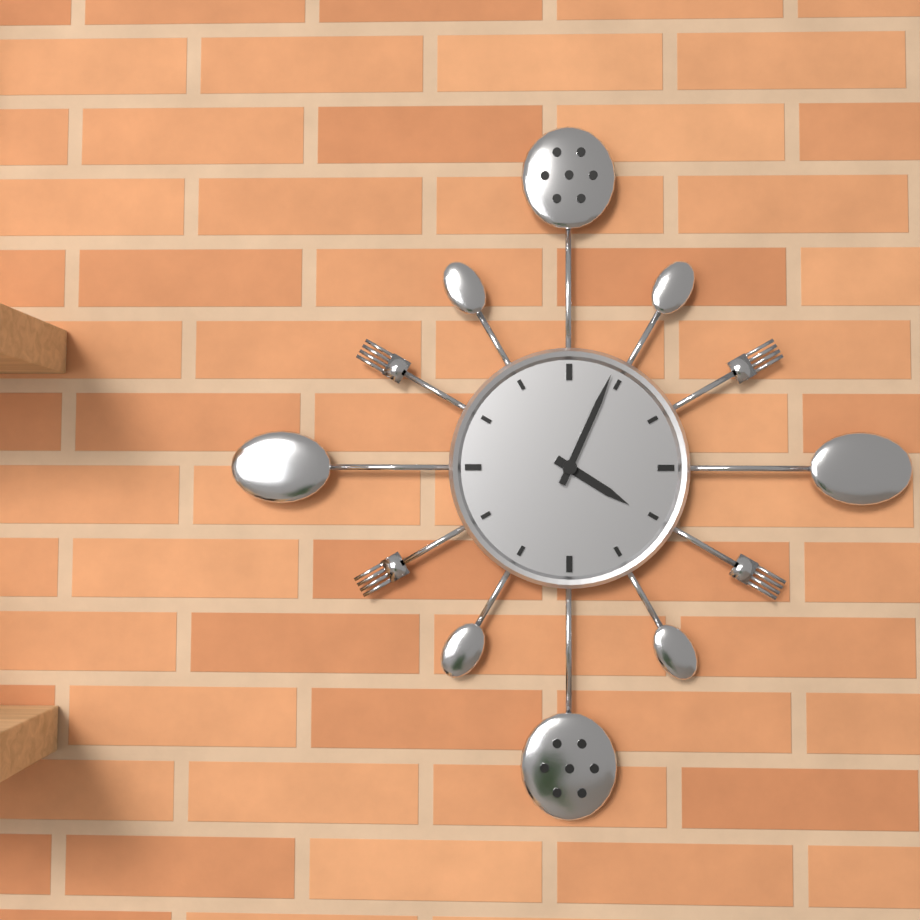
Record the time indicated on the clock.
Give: 4:04
